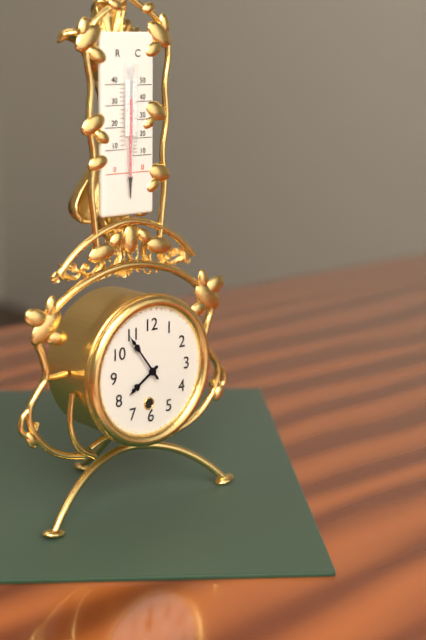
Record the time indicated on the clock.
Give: 7:54
